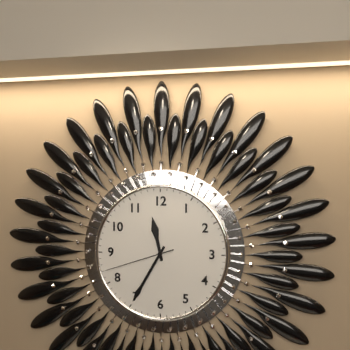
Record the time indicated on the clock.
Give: 11:35:42
